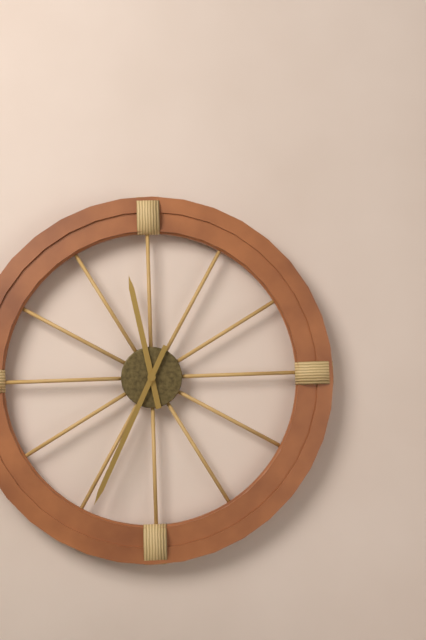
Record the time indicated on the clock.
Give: 11:34
